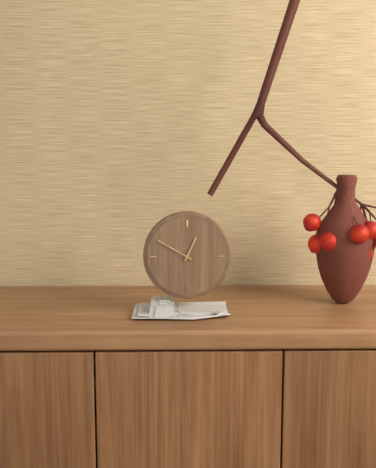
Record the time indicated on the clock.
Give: 12:50
